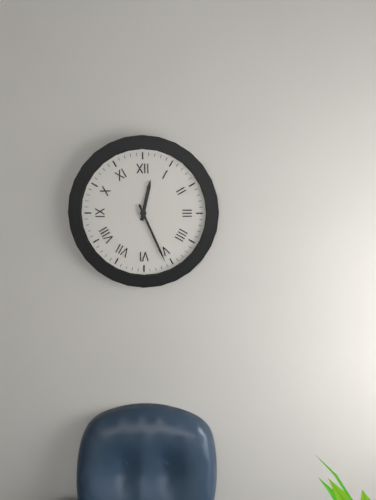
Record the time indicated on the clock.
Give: 12:26
